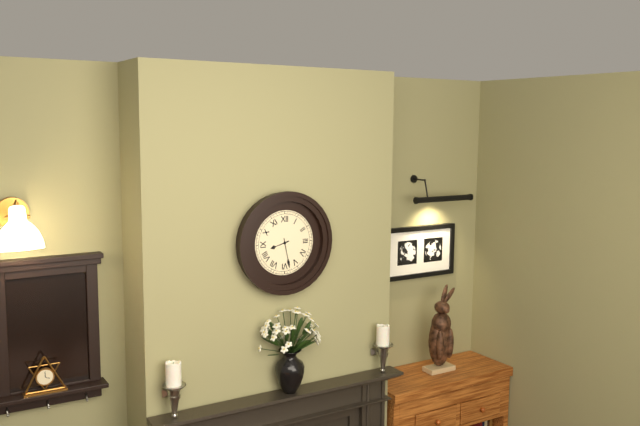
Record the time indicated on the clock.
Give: 8:28
